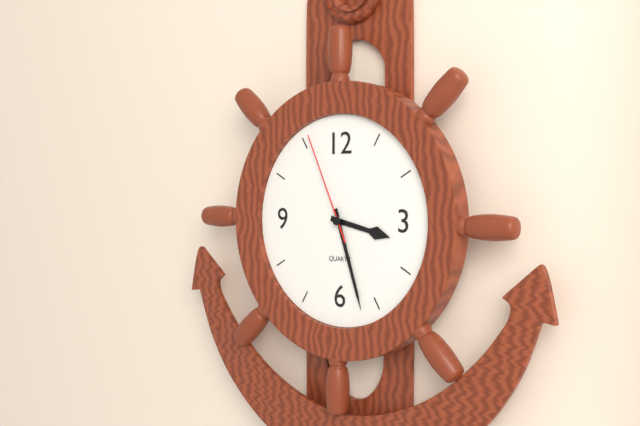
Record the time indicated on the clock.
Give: 3:27:56
